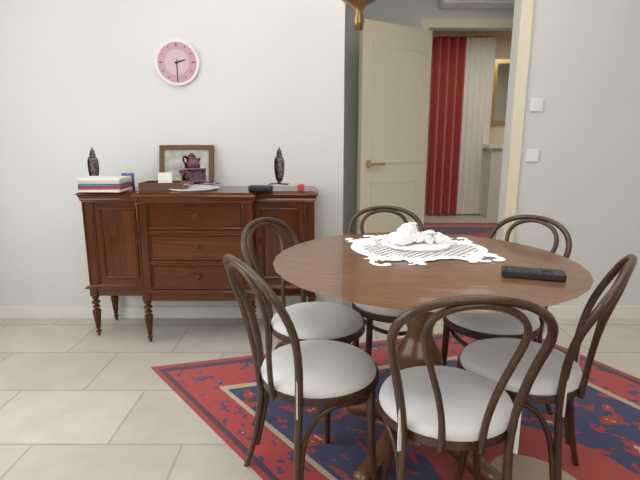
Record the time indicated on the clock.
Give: 2:30
